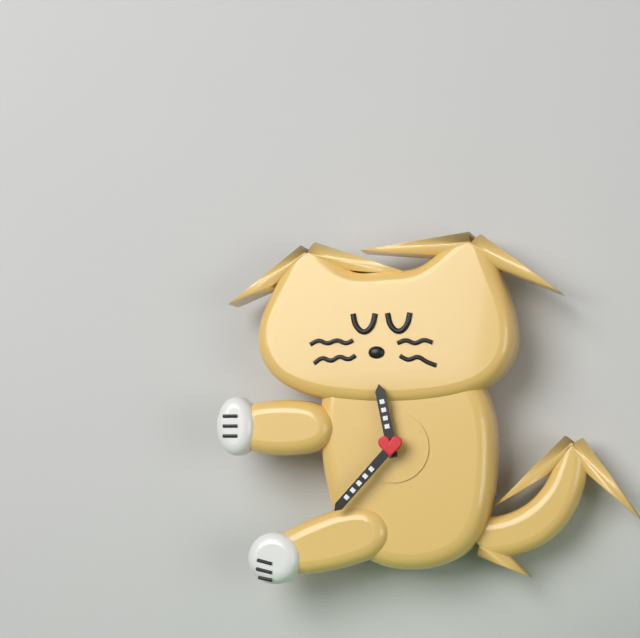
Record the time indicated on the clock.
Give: 11:37
